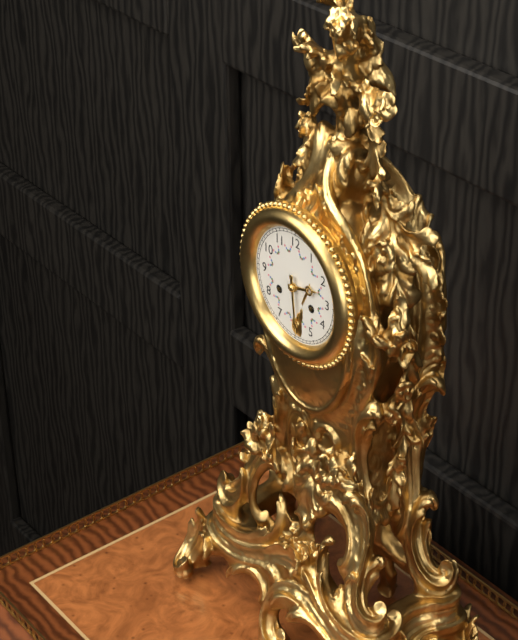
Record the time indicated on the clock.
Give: 2:29
